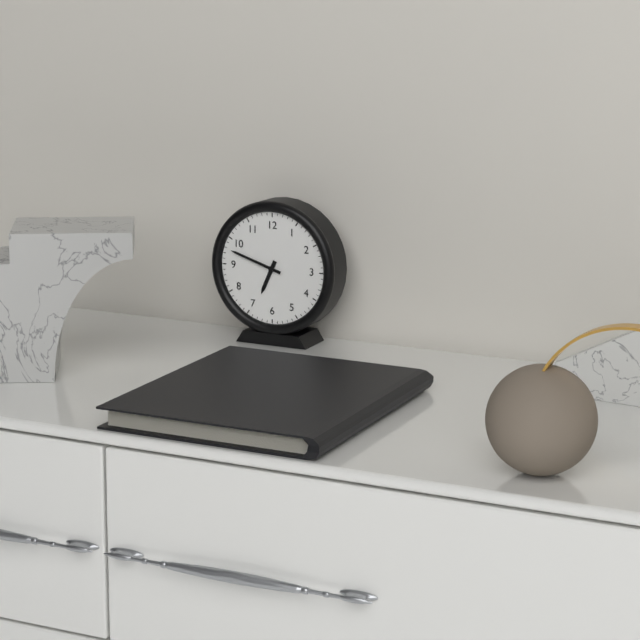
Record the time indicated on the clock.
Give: 6:48
